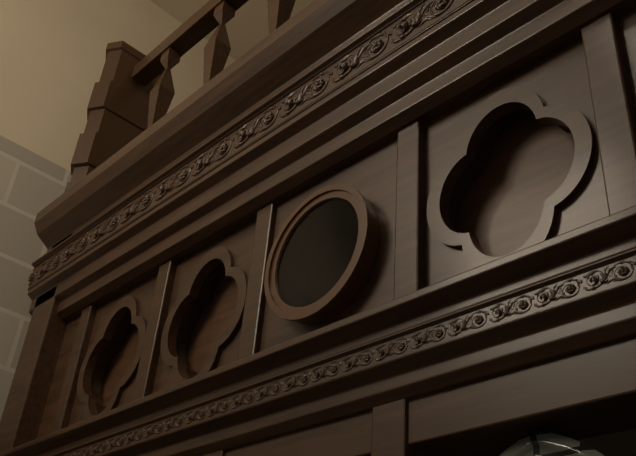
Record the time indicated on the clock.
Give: 12:38
